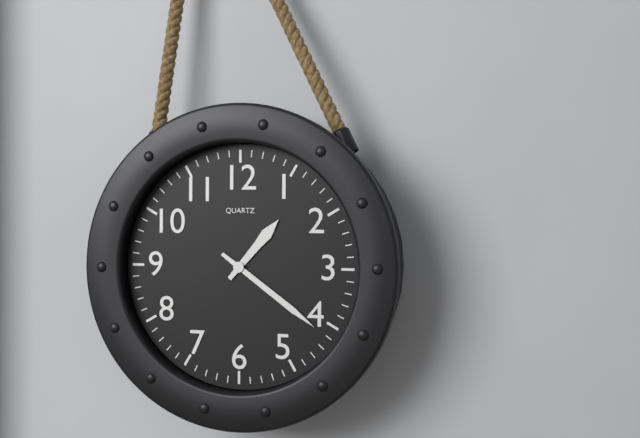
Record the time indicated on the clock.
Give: 1:21
